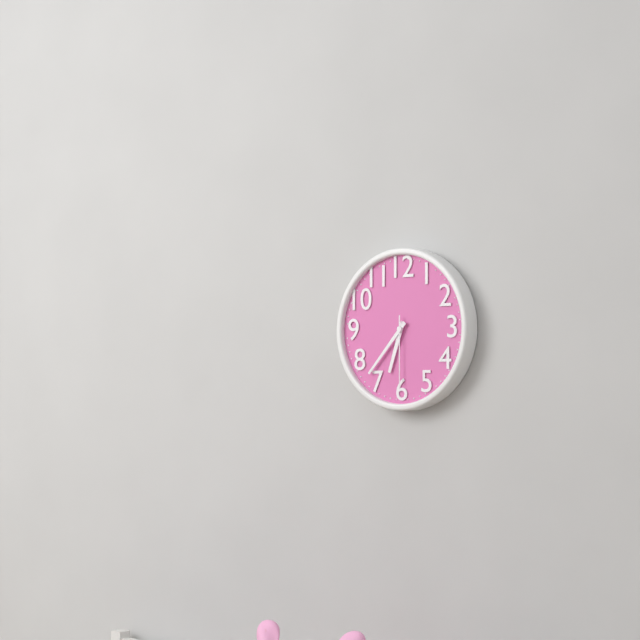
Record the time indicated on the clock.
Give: 6:37:30
